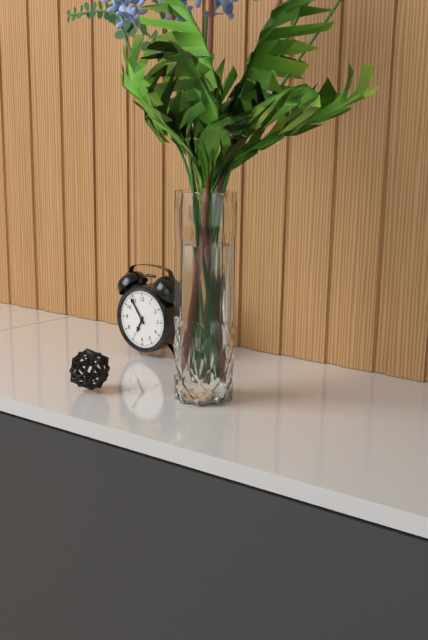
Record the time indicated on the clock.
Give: 6:54
